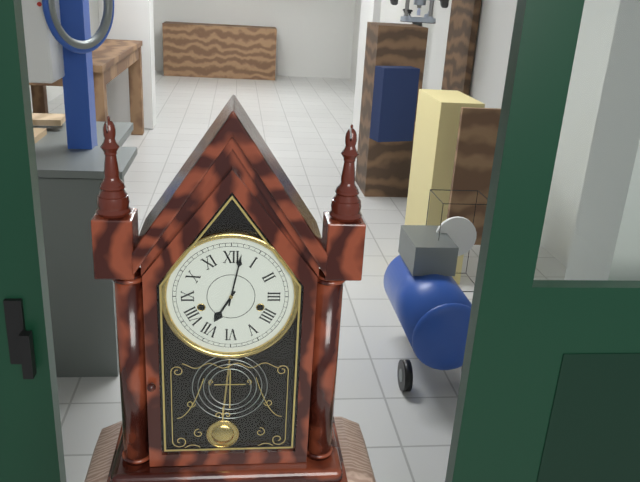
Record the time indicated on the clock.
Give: 7:02
